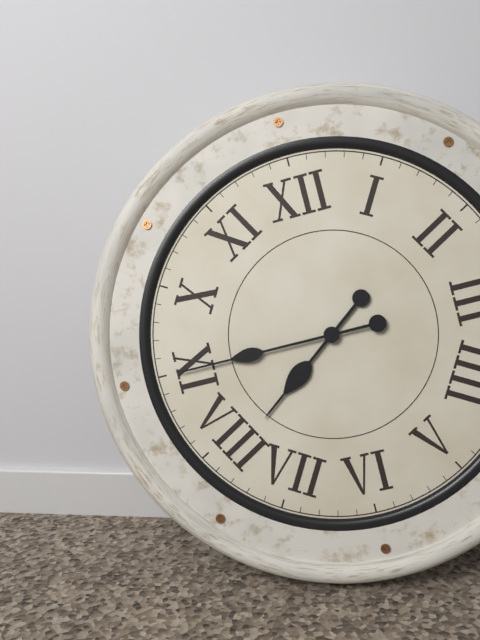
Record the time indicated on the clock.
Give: 7:45
